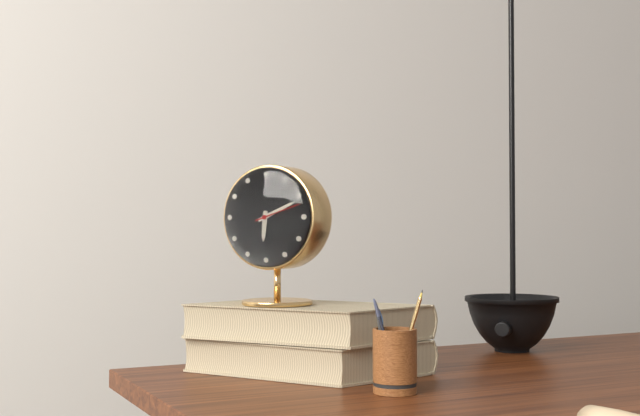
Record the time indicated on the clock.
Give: 6:11
